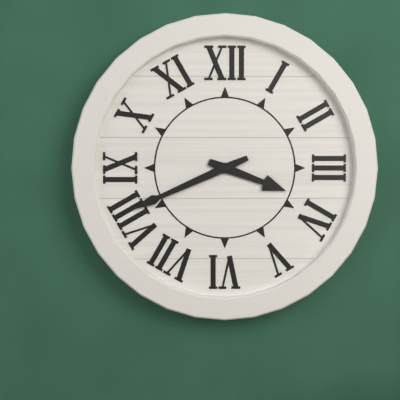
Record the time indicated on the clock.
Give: 3:41
